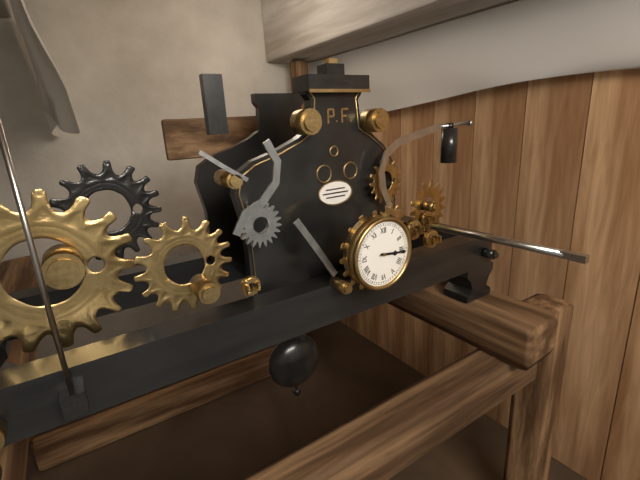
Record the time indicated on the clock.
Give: 3:16
